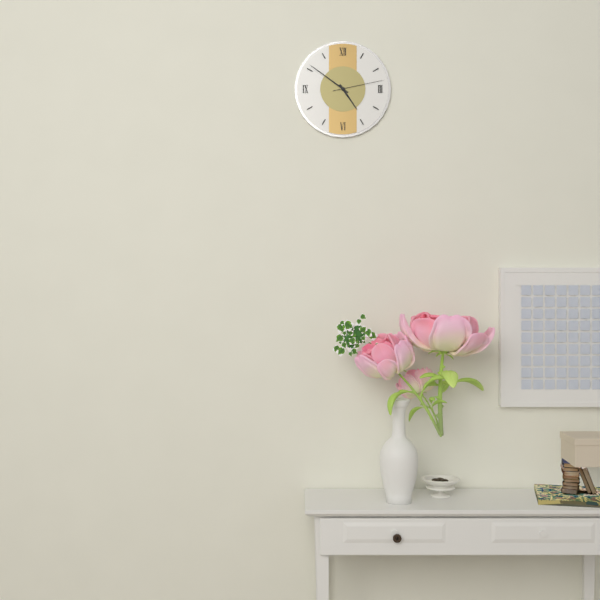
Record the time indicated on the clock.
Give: 4:51:13
